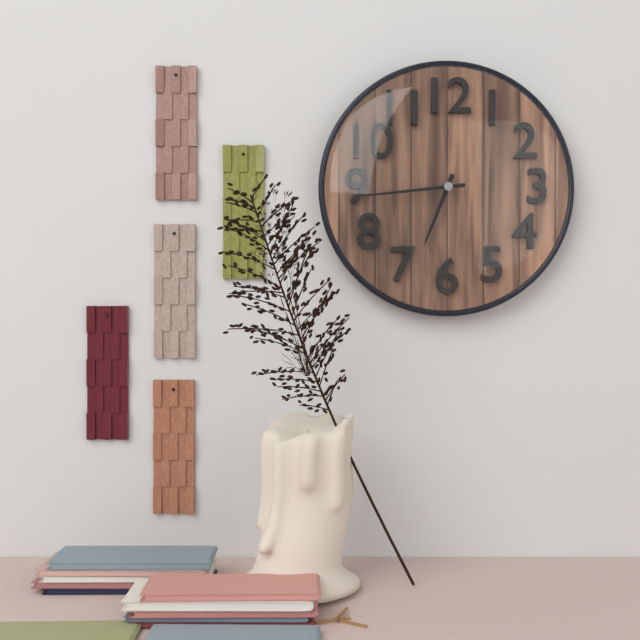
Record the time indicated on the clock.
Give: 6:44
